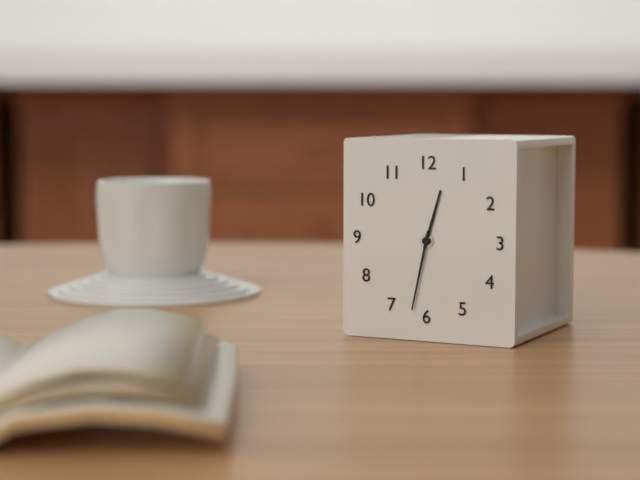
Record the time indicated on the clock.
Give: 12:32
